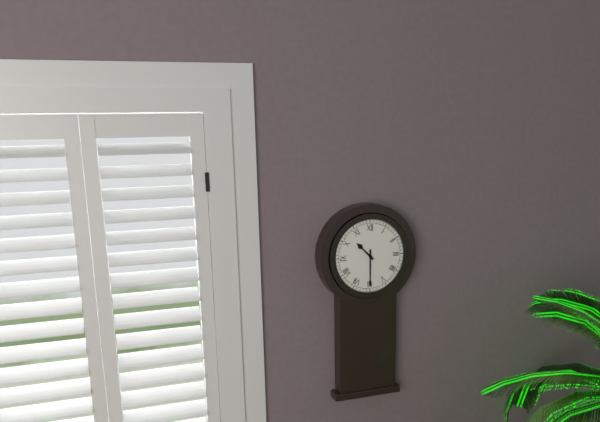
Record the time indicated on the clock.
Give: 10:30
